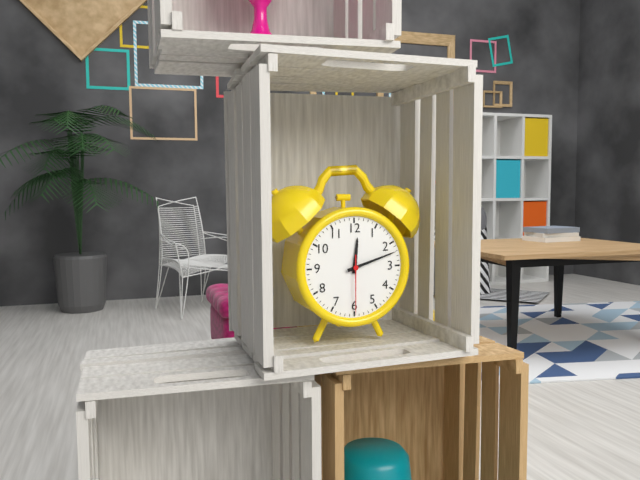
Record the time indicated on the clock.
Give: 12:12:30
